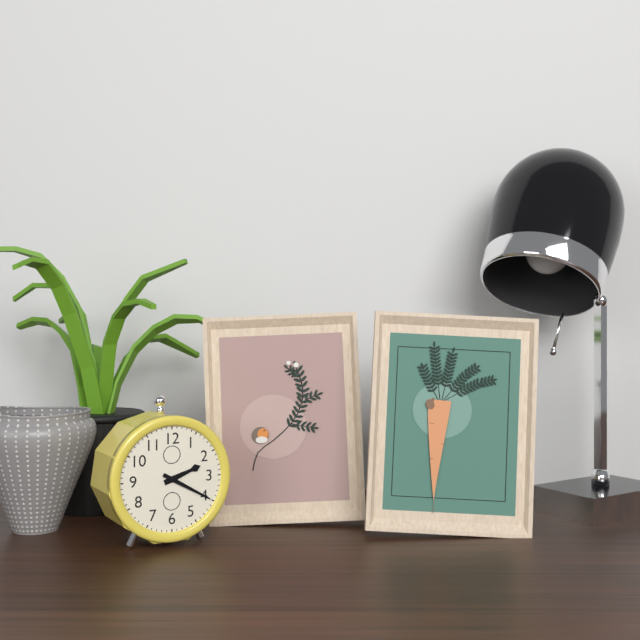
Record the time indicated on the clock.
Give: 2:20
